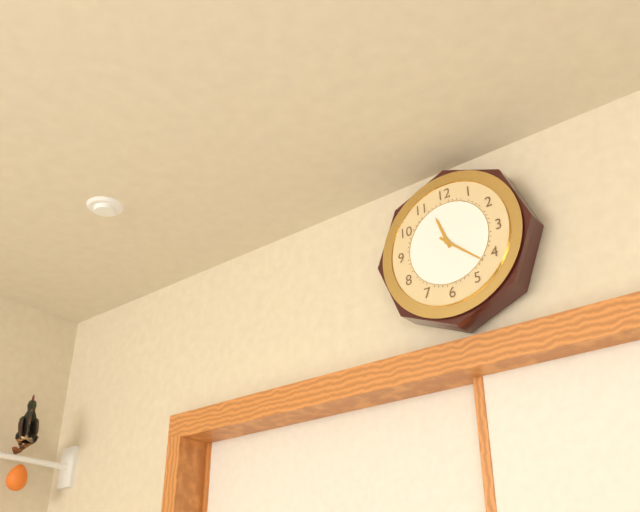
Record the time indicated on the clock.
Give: 11:22
